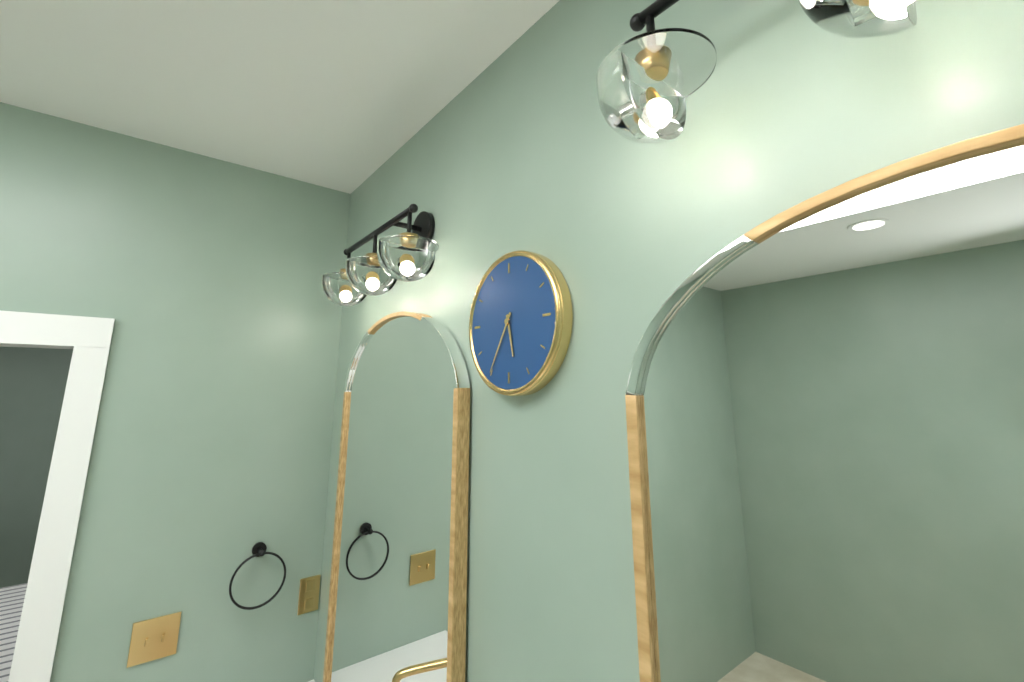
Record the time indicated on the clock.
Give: 5:35
